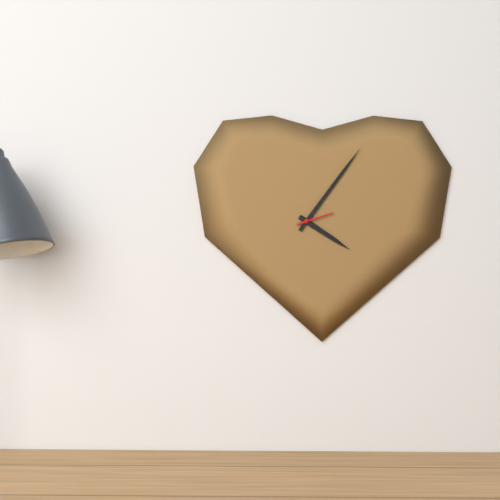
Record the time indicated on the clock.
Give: 4:06
